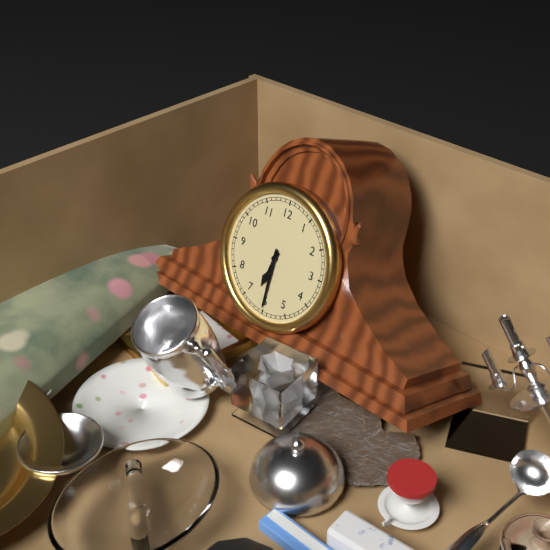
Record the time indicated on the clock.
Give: 6:30
